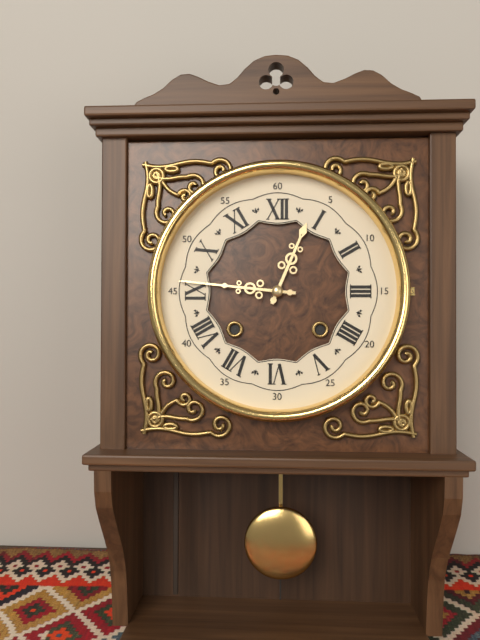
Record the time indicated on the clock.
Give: 12:46
